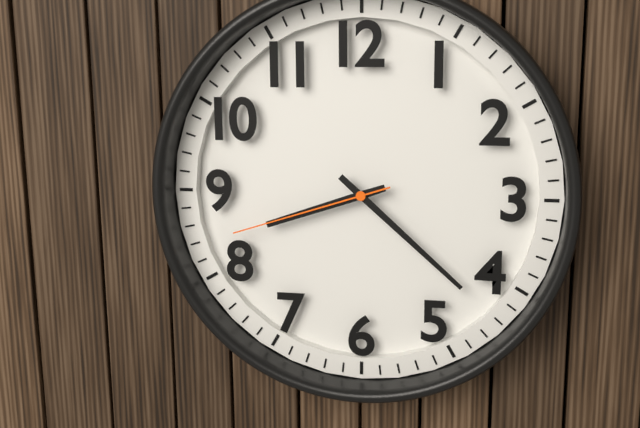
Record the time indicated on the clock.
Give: 8:22:42
